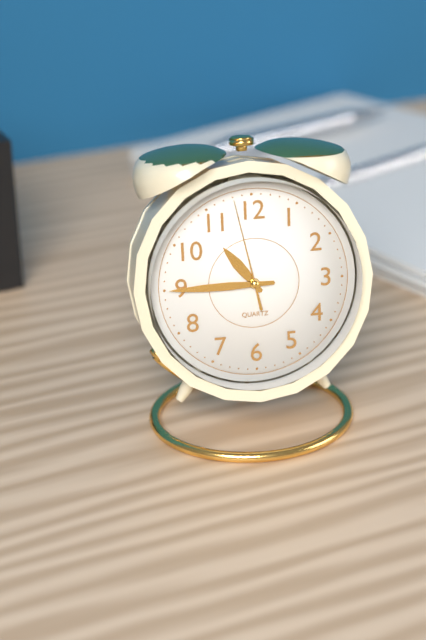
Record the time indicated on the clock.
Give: 10:45:58
